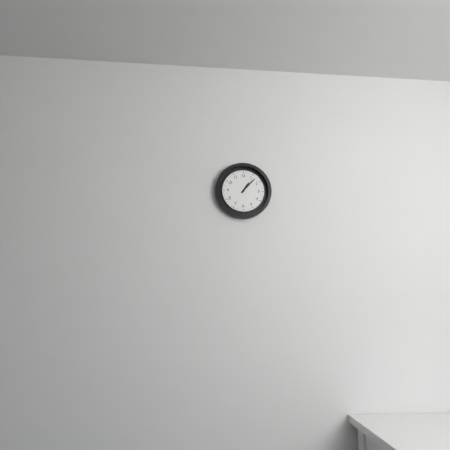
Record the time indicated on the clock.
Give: 1:07
